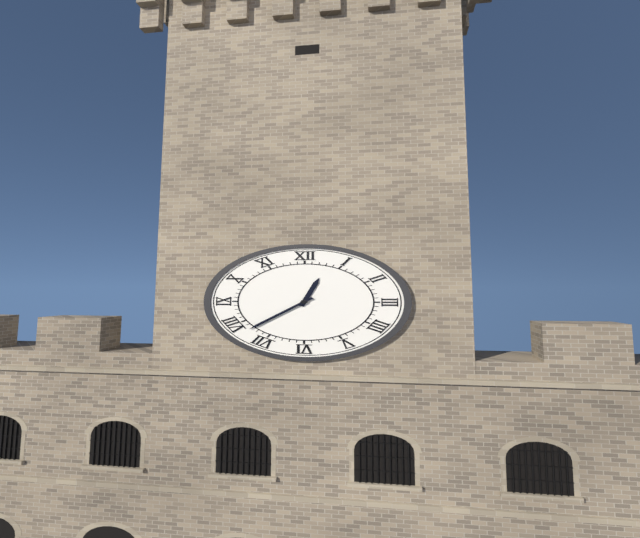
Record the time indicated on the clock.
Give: 12:38
